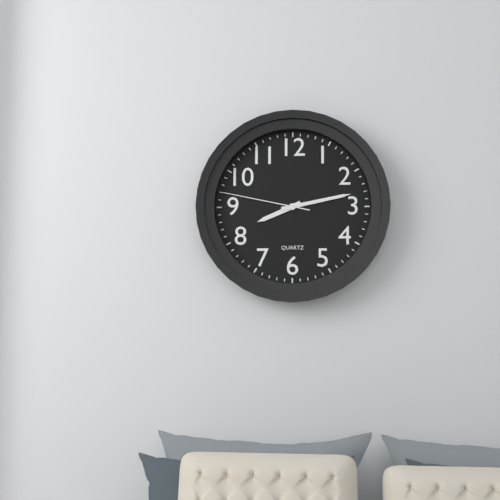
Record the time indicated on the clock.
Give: 8:13:47
